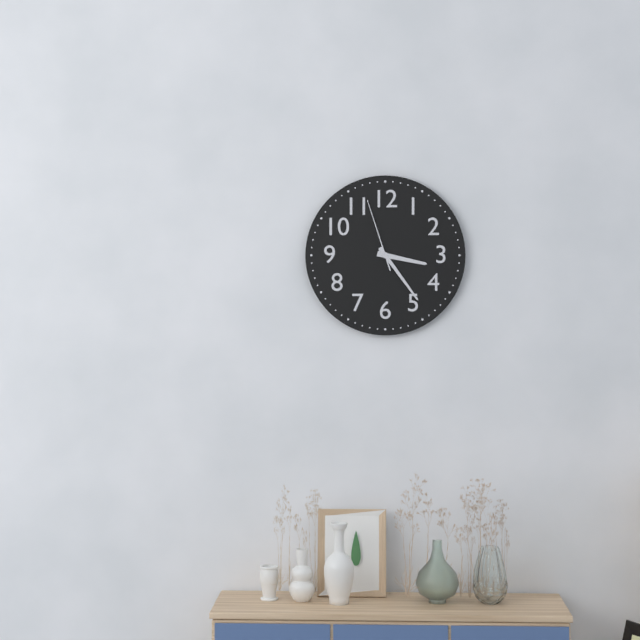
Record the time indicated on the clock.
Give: 3:24:57
